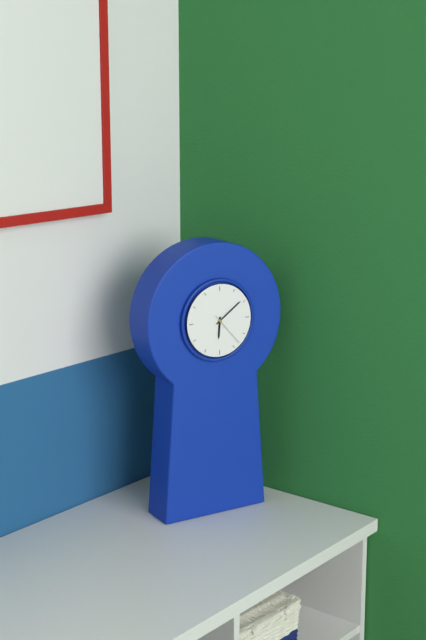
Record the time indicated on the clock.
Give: 6:09
